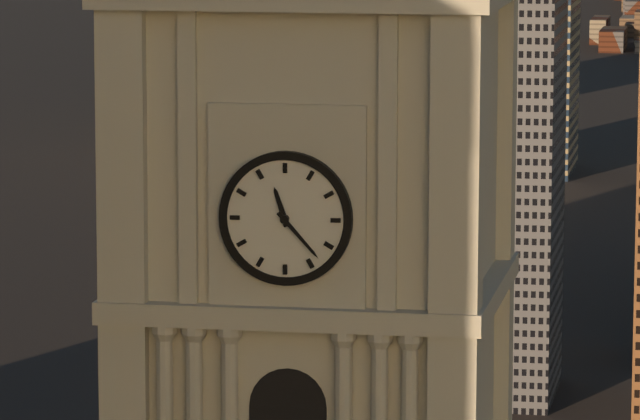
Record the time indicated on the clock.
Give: 11:23
